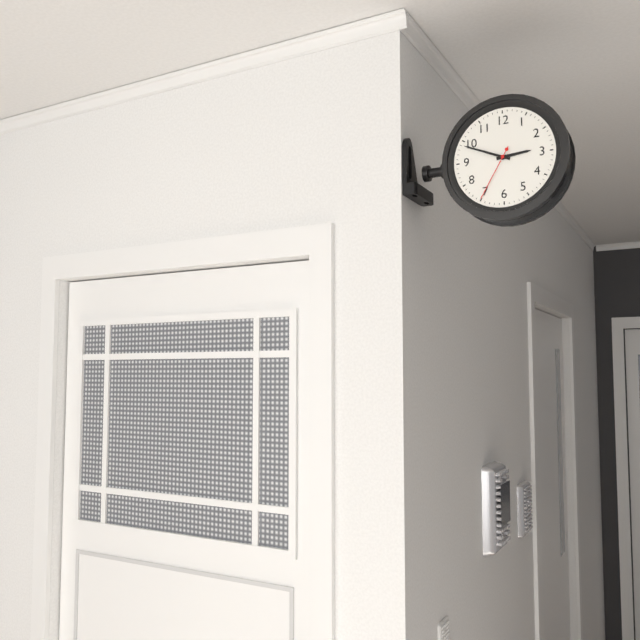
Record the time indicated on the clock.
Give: 2:49:35
